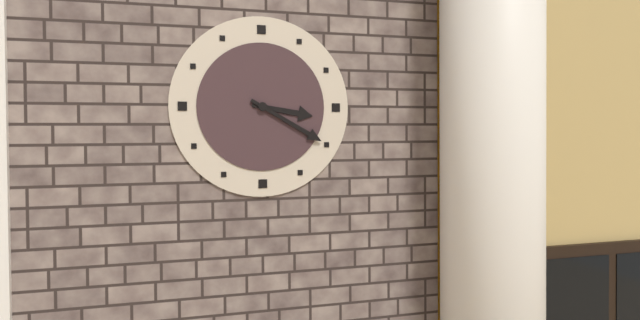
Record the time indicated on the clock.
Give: 3:20
